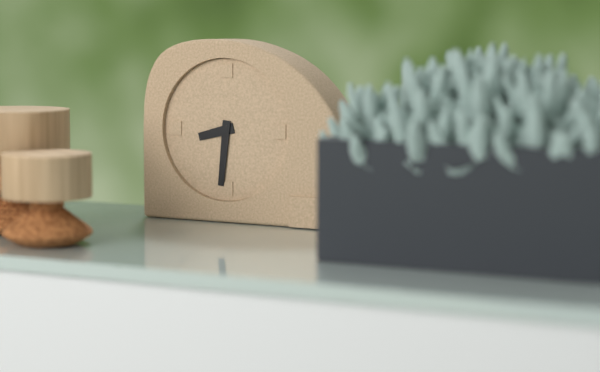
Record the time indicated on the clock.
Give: 8:31
